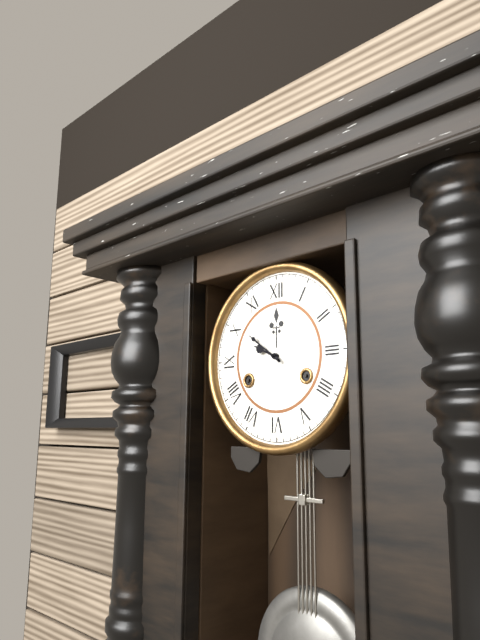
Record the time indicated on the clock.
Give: 9:51
